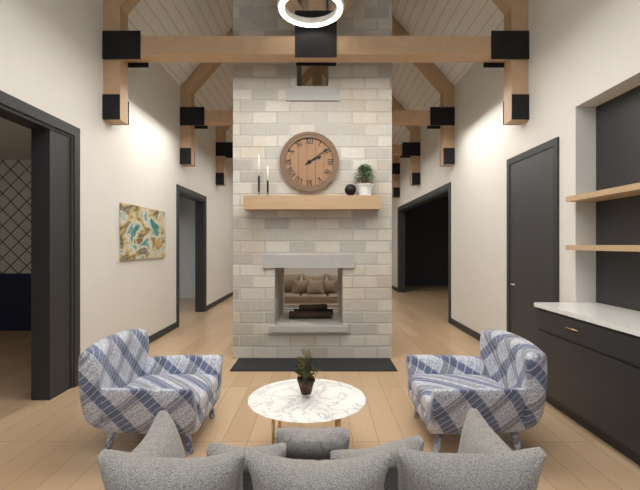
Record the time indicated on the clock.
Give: 2:09
